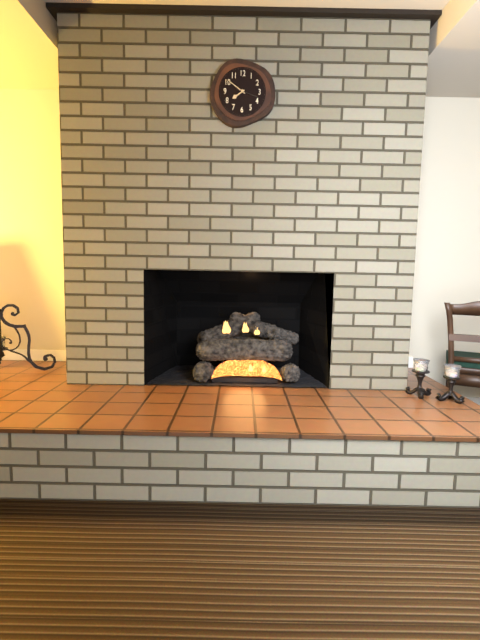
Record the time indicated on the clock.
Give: 7:51
